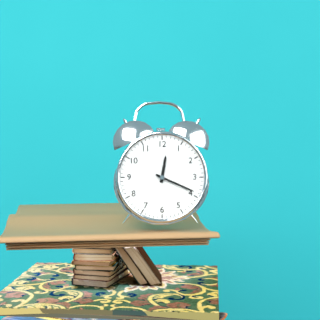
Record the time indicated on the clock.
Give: 12:19
